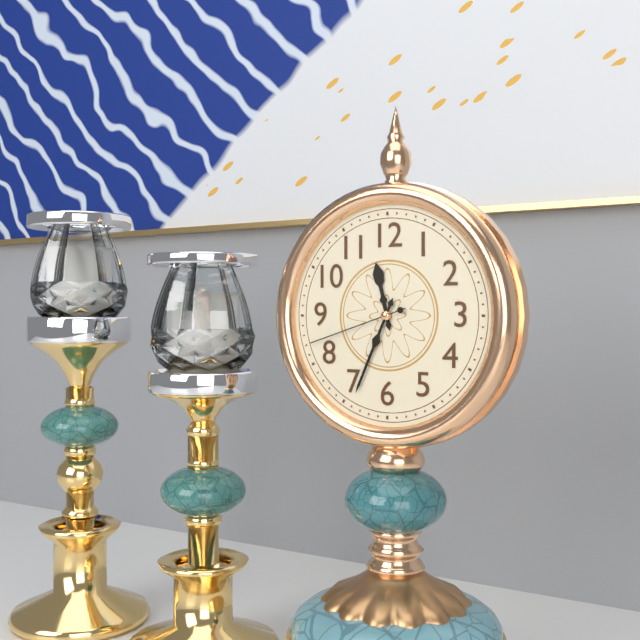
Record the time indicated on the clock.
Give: 11:34:42
